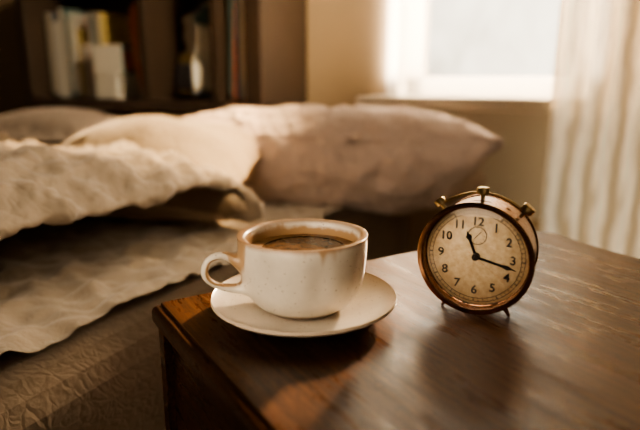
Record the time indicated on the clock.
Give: 11:17:21
